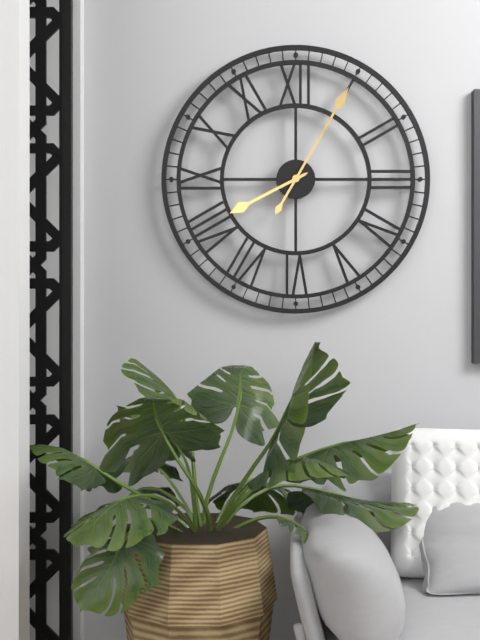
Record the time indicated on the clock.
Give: 8:05
